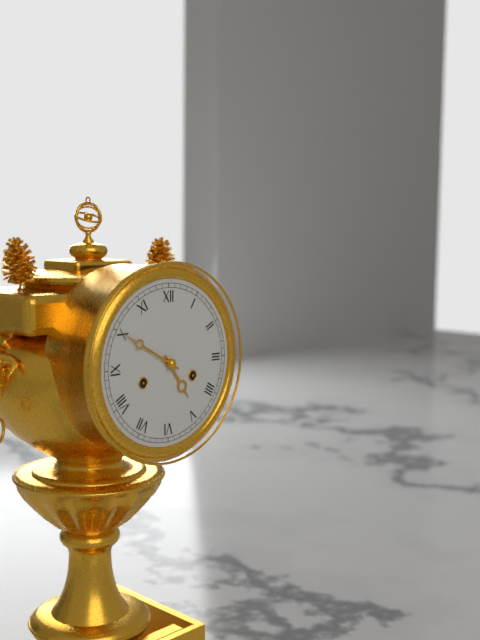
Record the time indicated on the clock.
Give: 4:50
